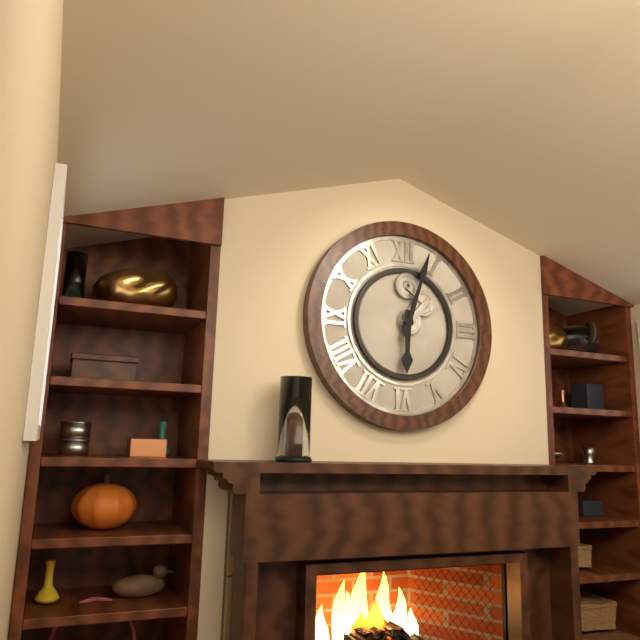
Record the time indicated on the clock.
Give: 6:03
